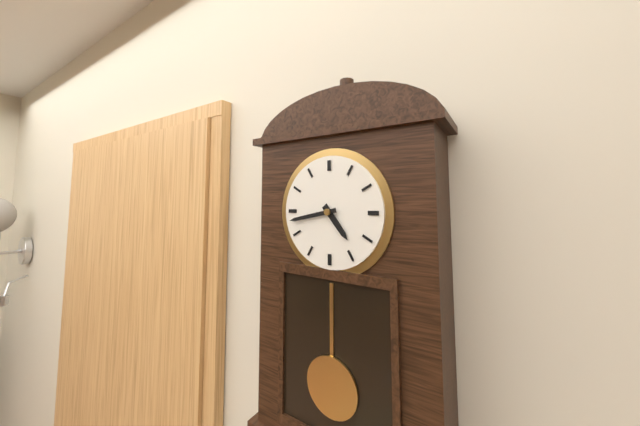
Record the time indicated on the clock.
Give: 4:43
